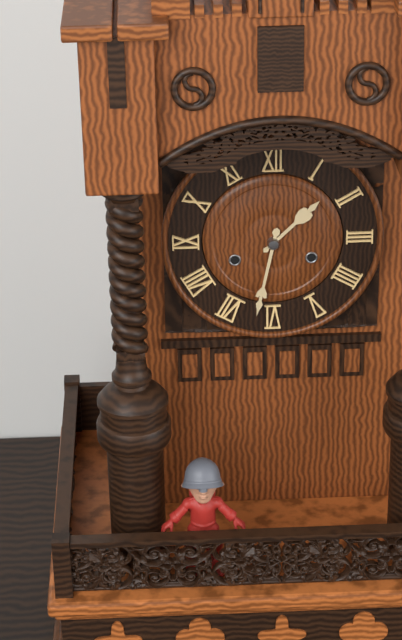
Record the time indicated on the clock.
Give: 1:32
